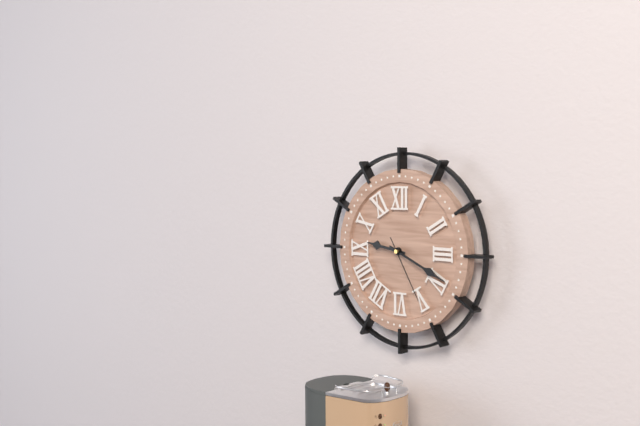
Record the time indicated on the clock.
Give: 9:19:25
